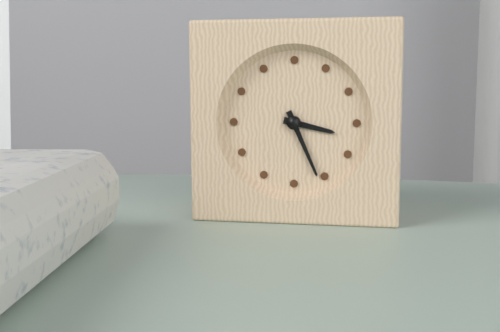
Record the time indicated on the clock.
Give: 3:26
